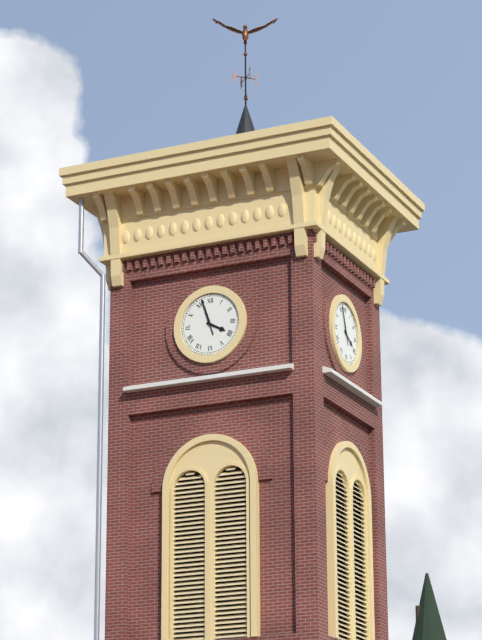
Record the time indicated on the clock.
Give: 3:57
